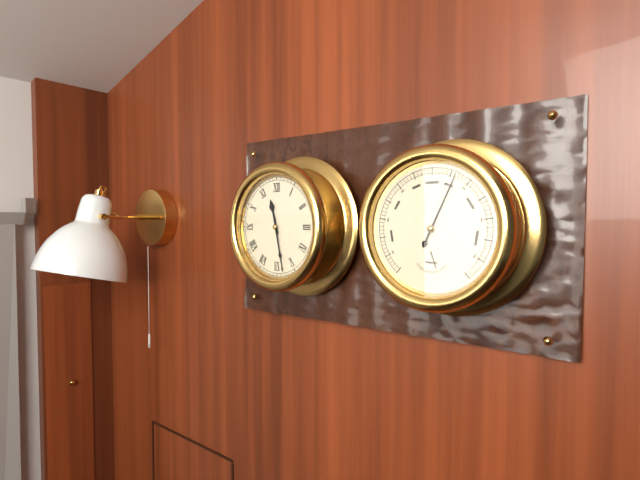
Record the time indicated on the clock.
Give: 11:28
